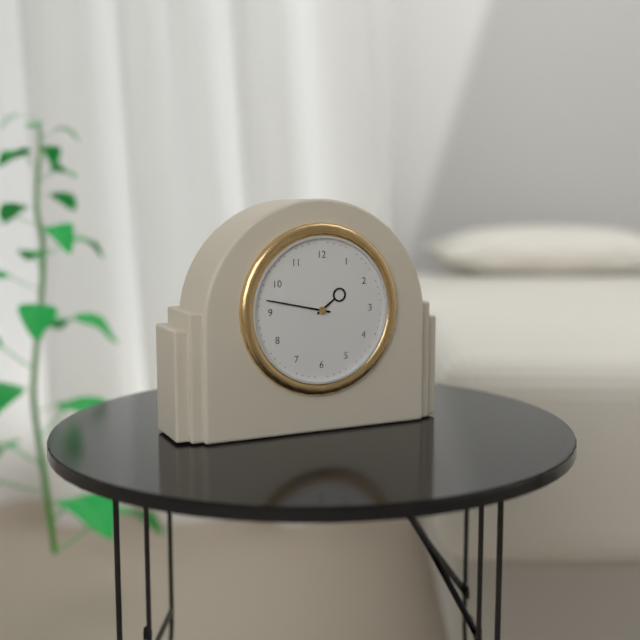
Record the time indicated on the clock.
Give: 1:47
